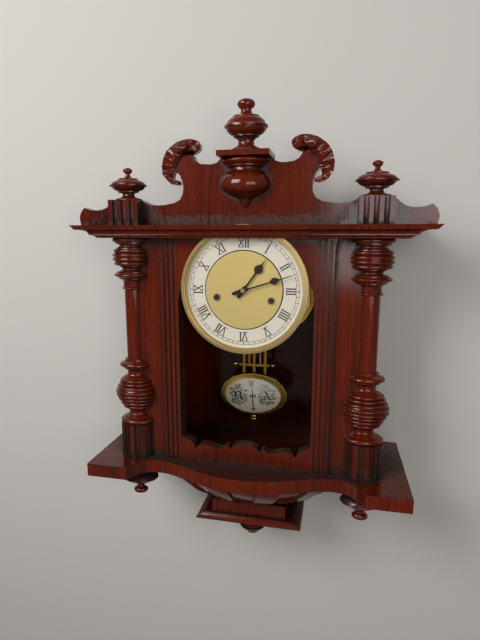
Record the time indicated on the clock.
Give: 1:12
